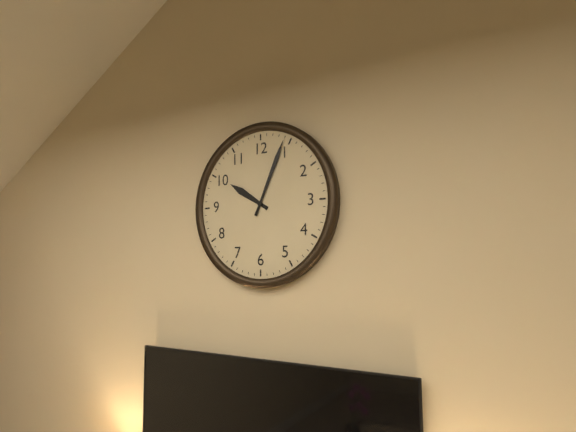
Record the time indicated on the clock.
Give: 10:04
